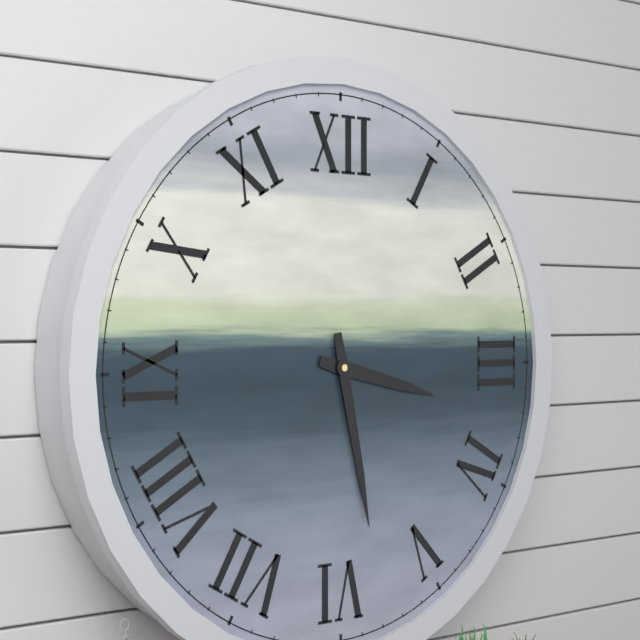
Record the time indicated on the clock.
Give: 3:28
